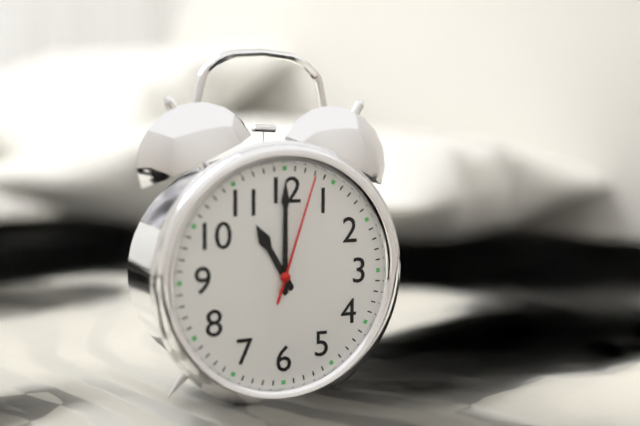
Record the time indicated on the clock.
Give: 11:00:03
